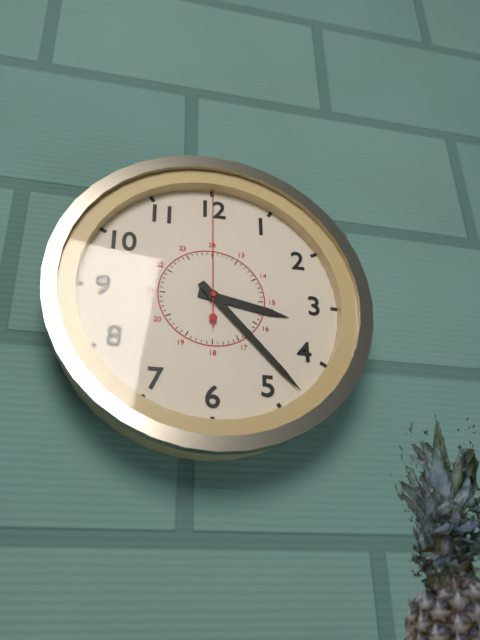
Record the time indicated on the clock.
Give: 3:23:00
